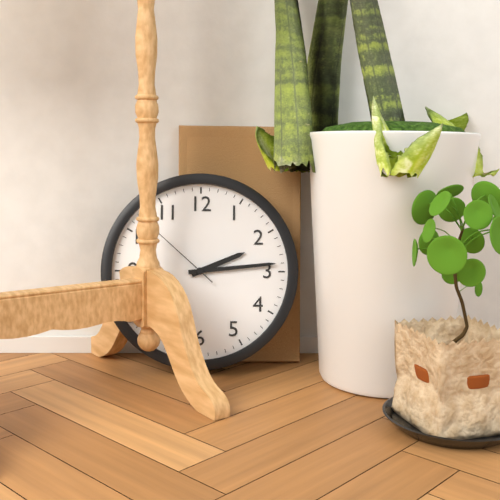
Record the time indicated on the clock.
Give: 2:14:52
